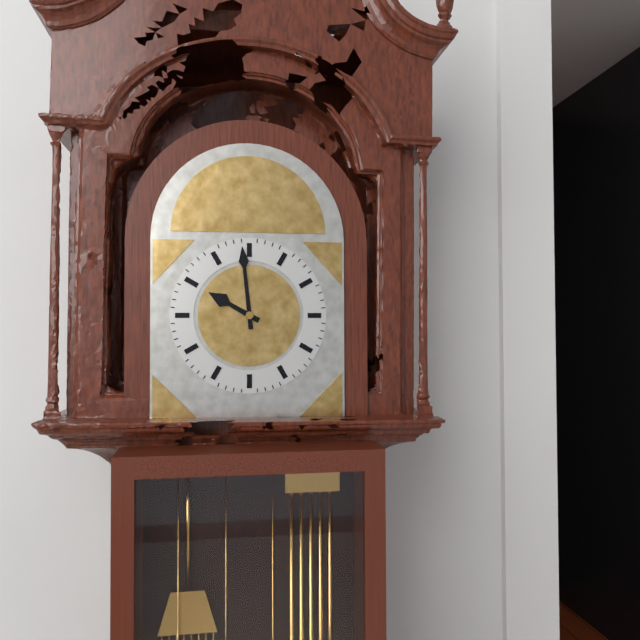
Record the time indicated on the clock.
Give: 9:59
